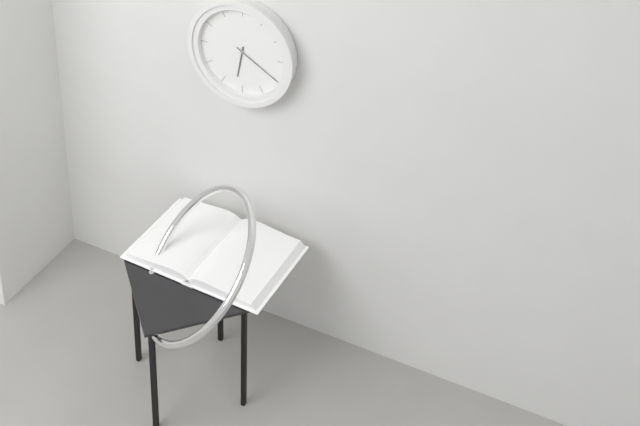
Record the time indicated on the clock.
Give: 6:20
